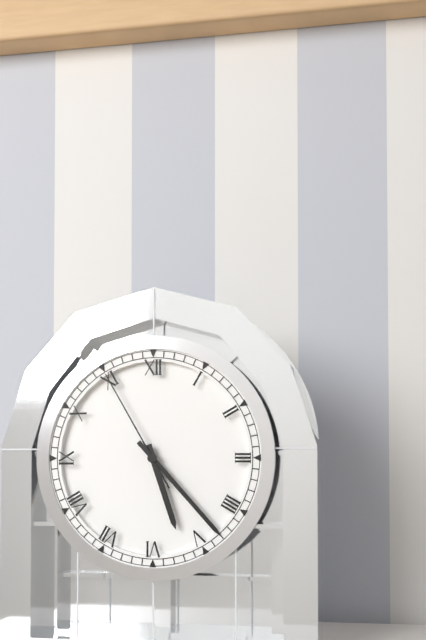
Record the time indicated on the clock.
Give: 5:23:55
